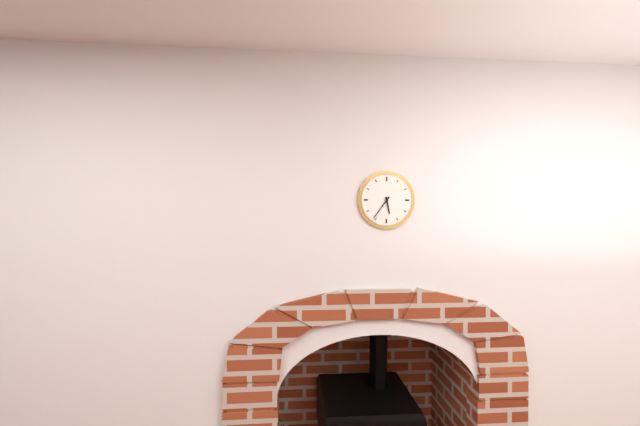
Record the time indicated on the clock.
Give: 5:36
